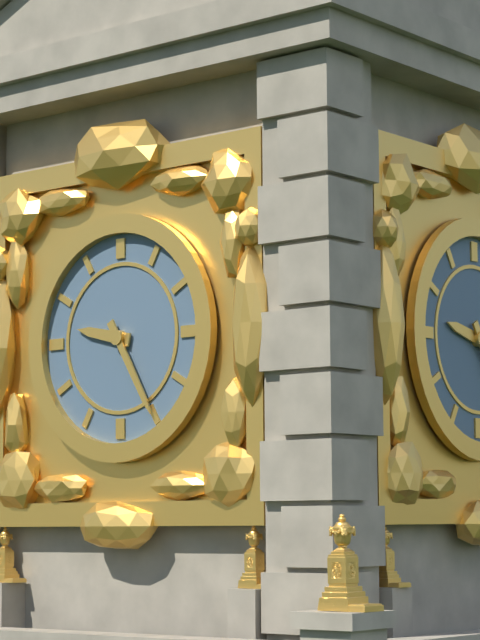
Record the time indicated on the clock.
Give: 9:25
